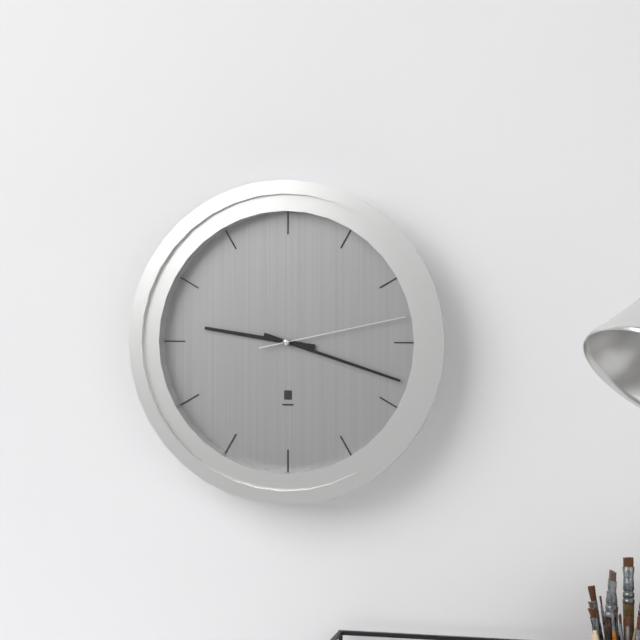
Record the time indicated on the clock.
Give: 9:18:13
